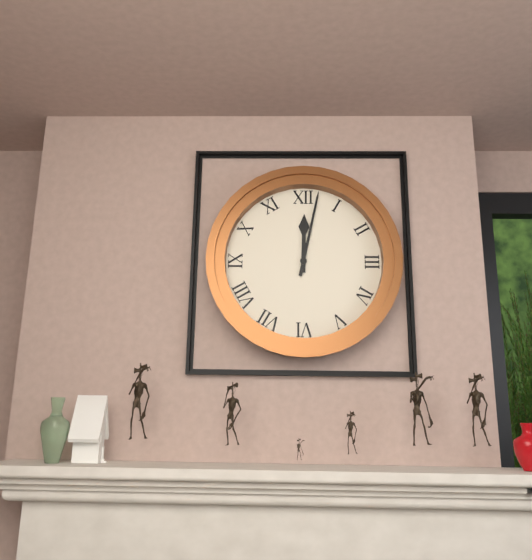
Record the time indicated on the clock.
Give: 12:02
